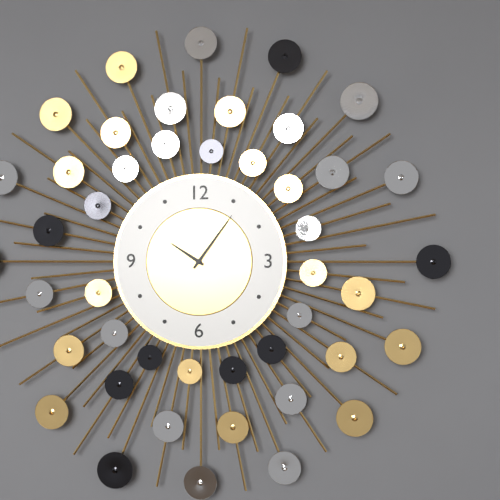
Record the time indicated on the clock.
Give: 10:06
